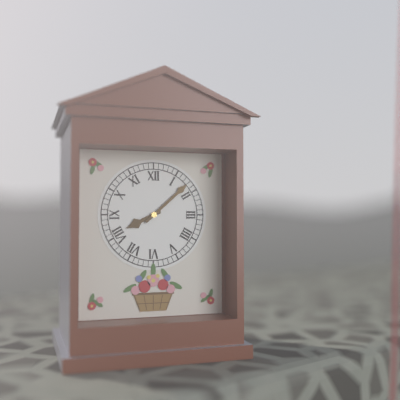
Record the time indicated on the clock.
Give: 8:08
